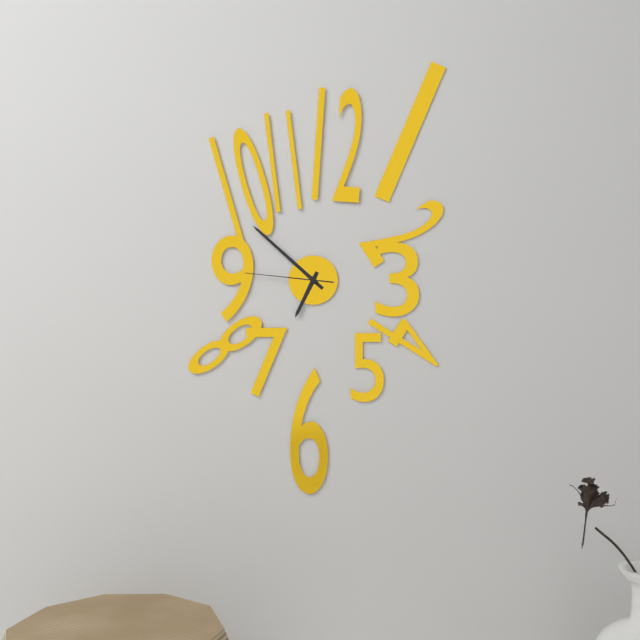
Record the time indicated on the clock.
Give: 6:52:46
